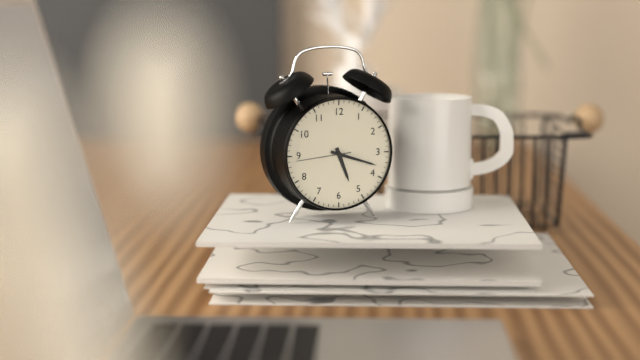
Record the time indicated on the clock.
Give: 5:18
